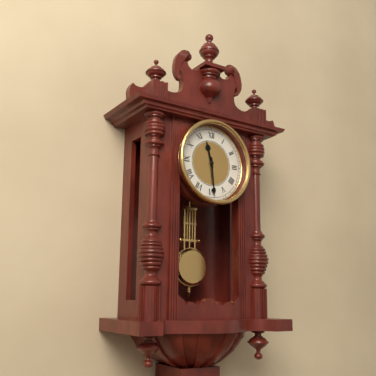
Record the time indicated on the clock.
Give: 11:29
